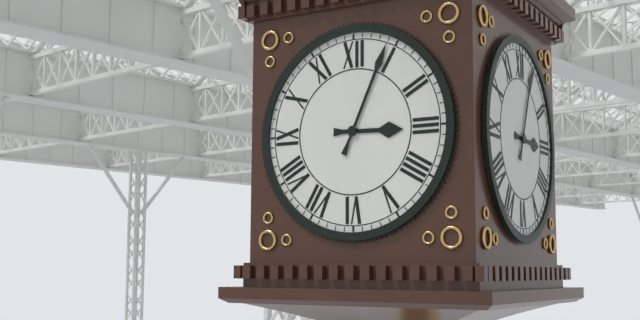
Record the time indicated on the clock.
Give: 3:04
